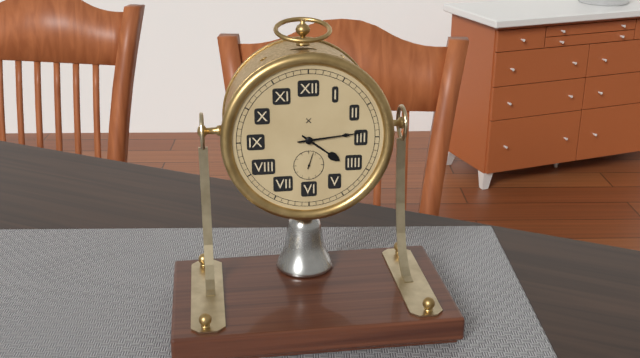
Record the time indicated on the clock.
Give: 4:14
